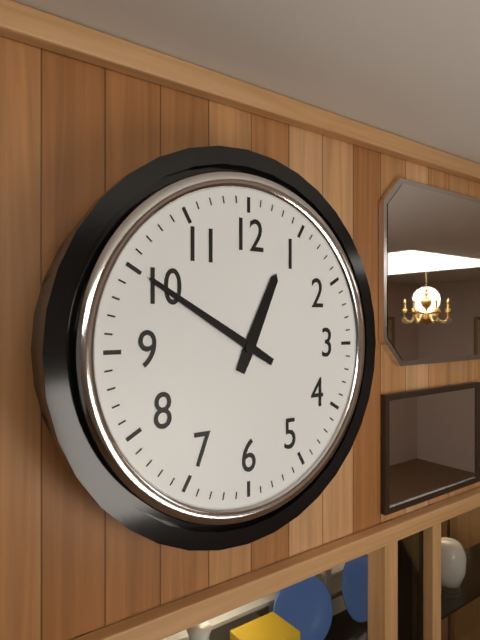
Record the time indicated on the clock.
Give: 12:50
